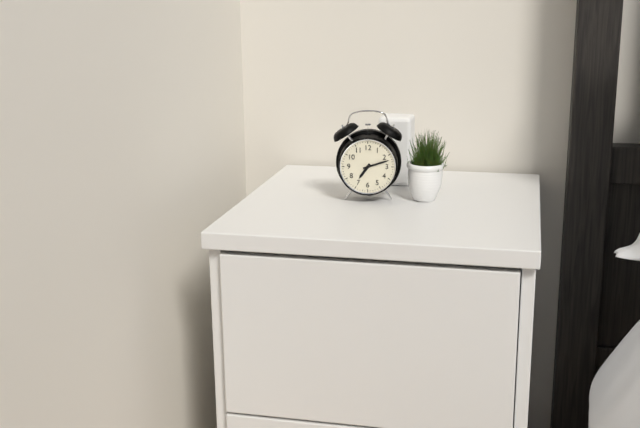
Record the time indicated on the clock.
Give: 7:12
